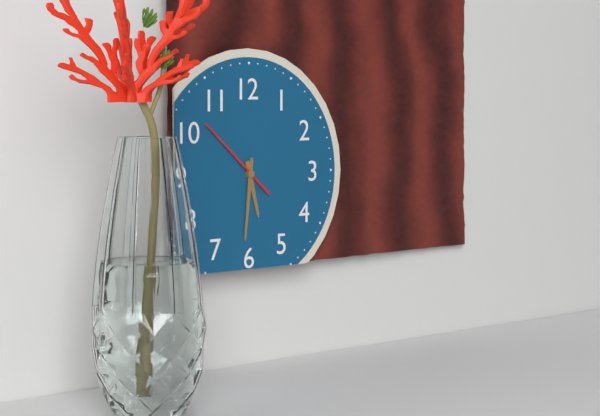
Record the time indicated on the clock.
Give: 5:31:52
